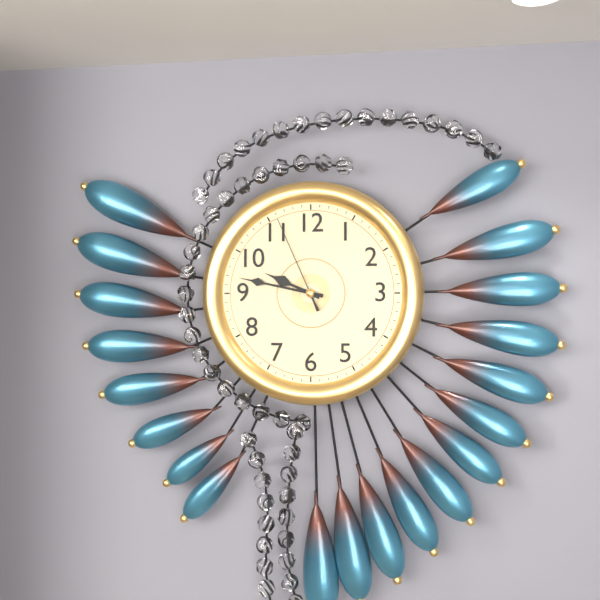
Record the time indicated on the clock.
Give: 9:47:56
